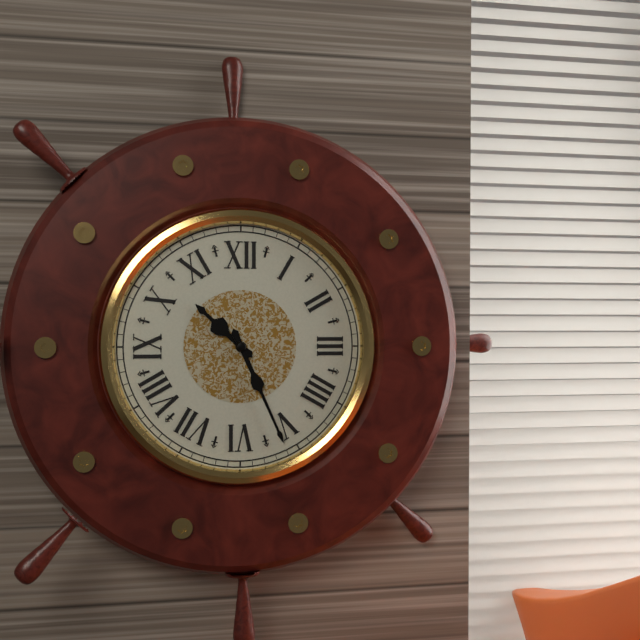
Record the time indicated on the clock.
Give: 10:26
